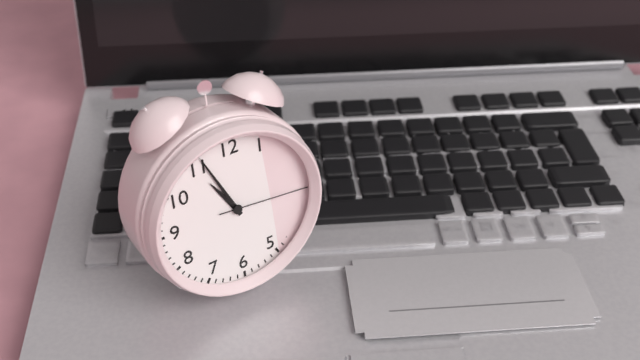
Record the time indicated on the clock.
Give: 10:56:16
